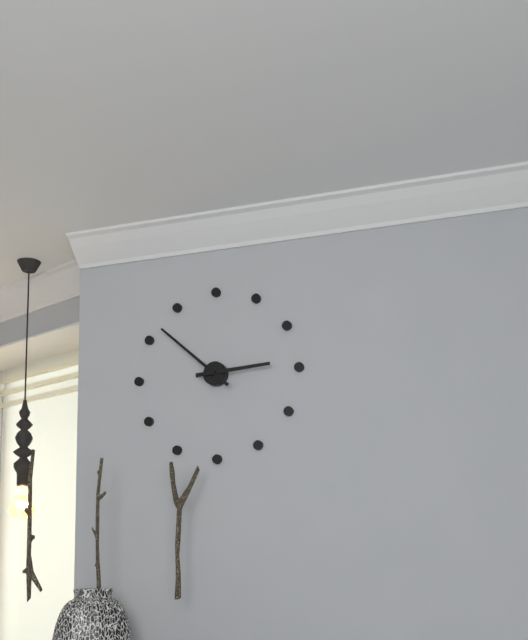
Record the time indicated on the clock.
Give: 2:52
